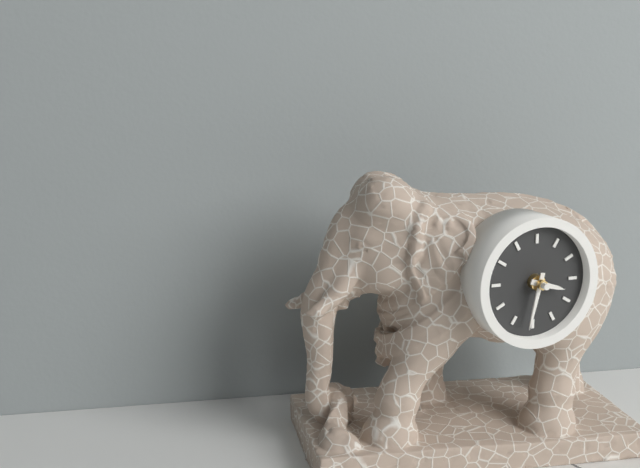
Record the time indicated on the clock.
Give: 3:32
